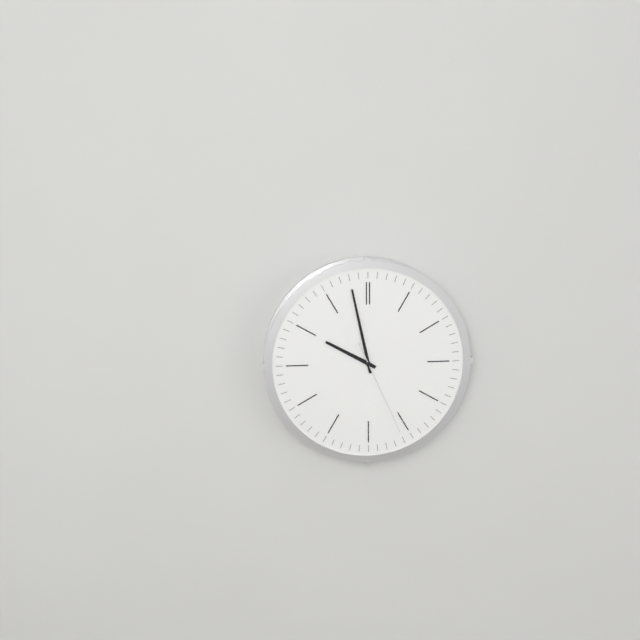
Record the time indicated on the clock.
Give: 9:58:26
